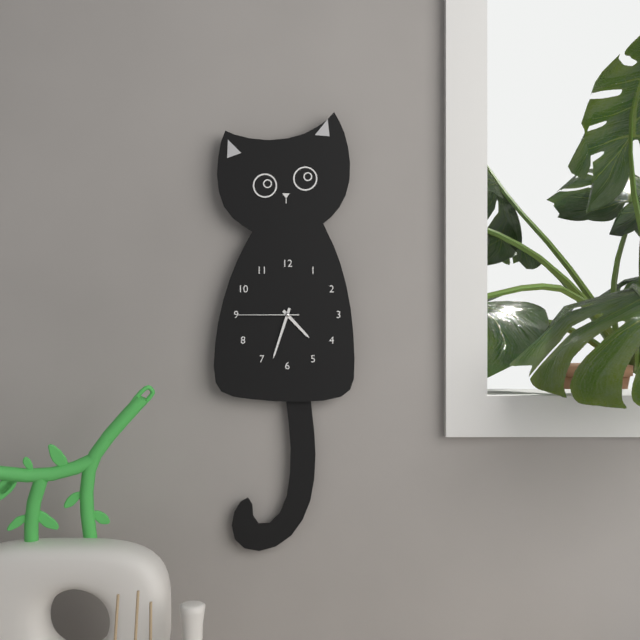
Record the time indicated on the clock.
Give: 4:33:45
